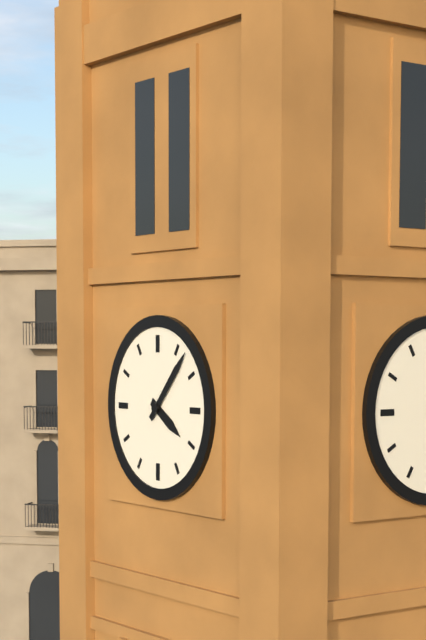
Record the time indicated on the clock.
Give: 4:07
